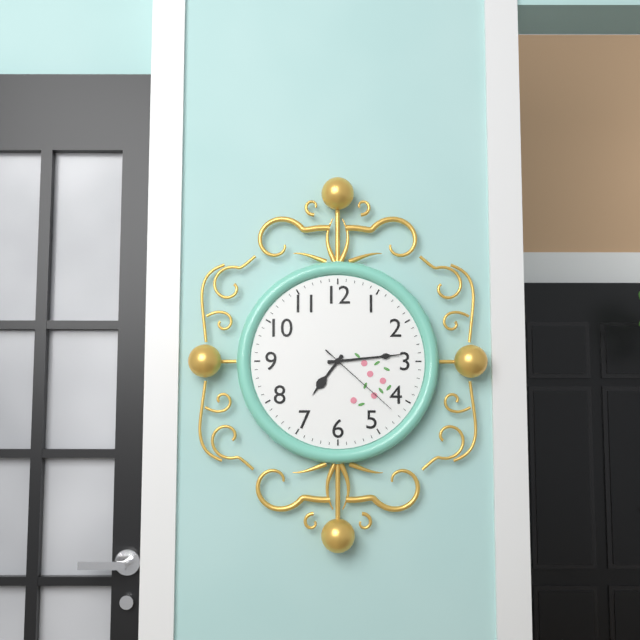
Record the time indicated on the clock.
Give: 7:14:22
